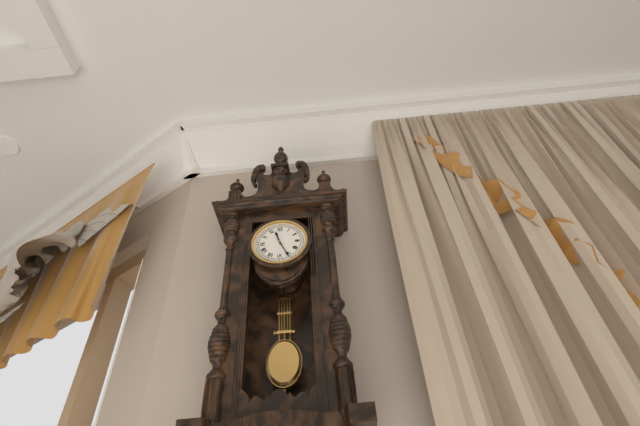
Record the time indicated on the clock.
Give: 11:26
